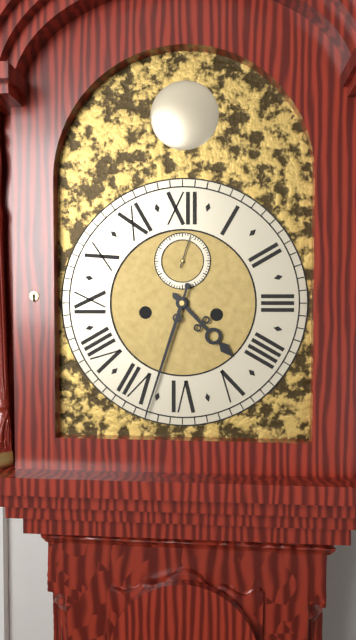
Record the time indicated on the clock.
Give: 4:33
